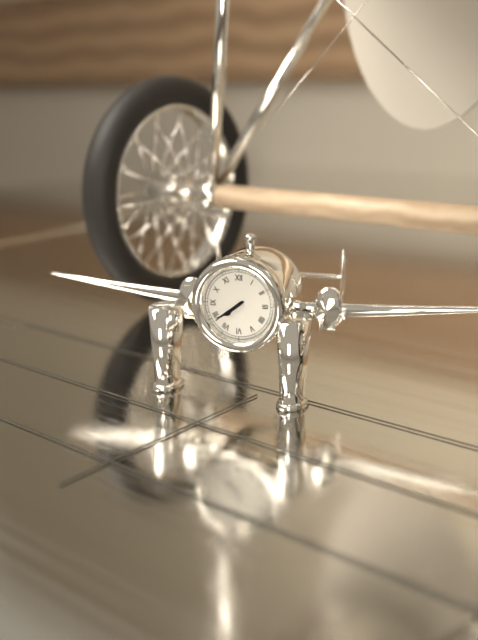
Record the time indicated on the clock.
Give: 7:39
